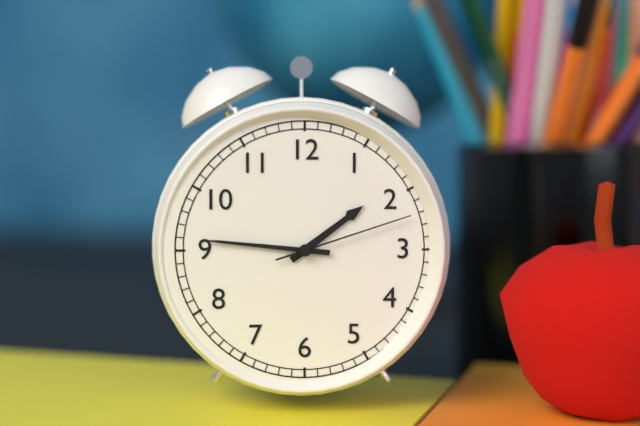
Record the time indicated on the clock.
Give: 1:46:12
